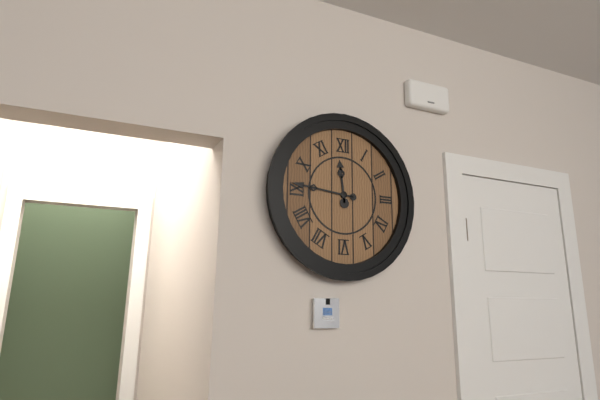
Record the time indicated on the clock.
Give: 11:46
